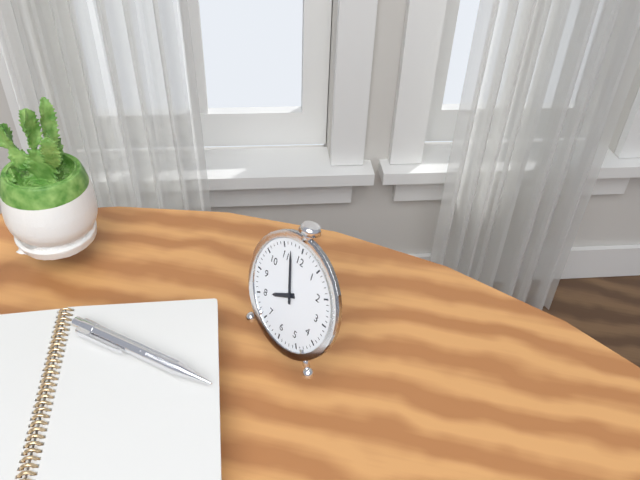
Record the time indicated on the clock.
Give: 7:57
